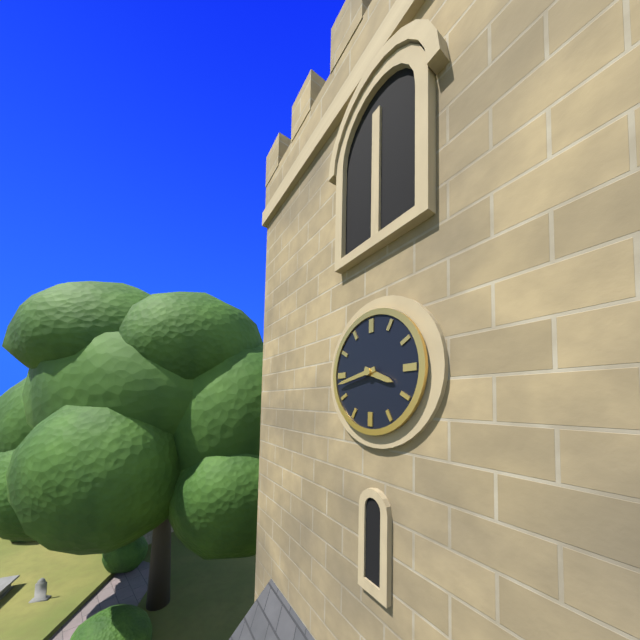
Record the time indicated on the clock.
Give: 3:43
